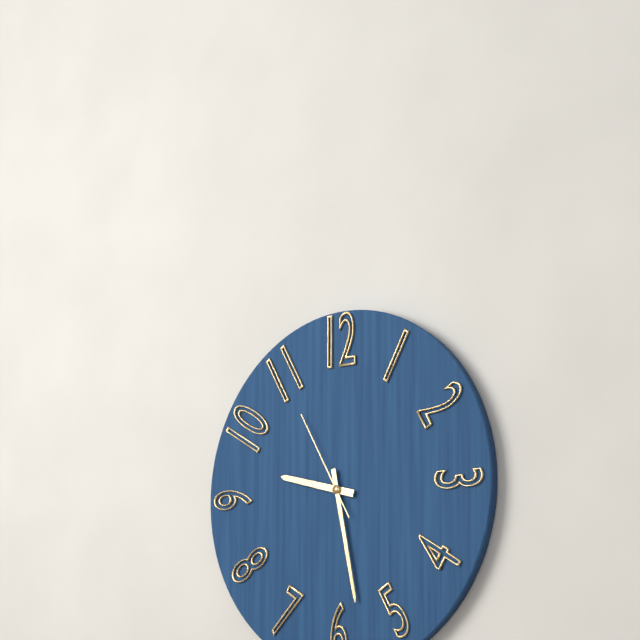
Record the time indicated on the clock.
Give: 9:28:55
